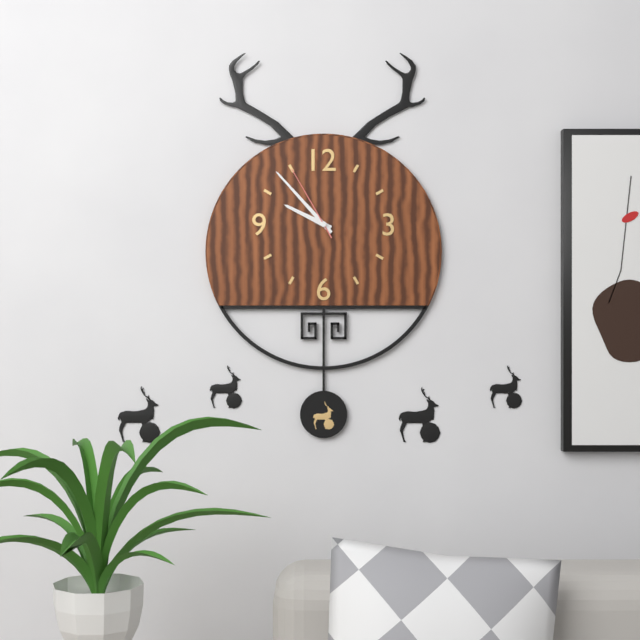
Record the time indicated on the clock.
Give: 9:53:55
